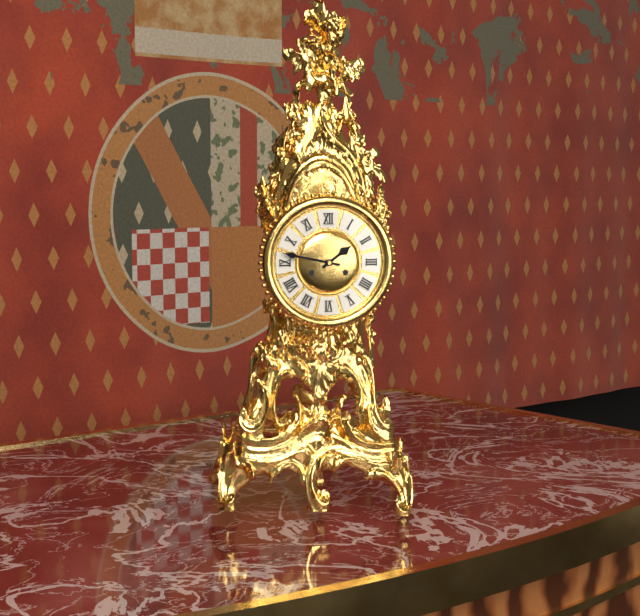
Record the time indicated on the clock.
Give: 1:47
